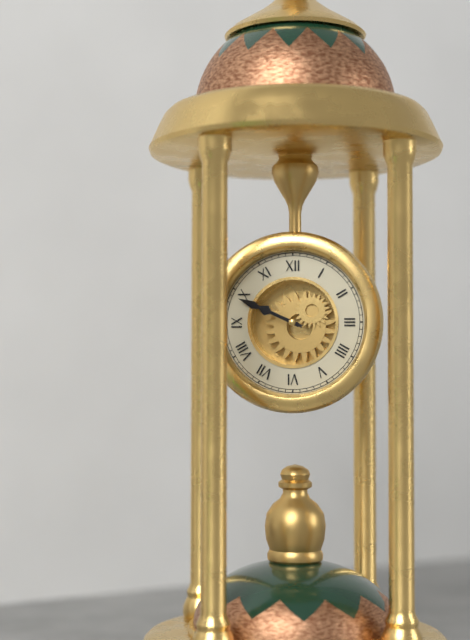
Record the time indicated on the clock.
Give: 9:49
